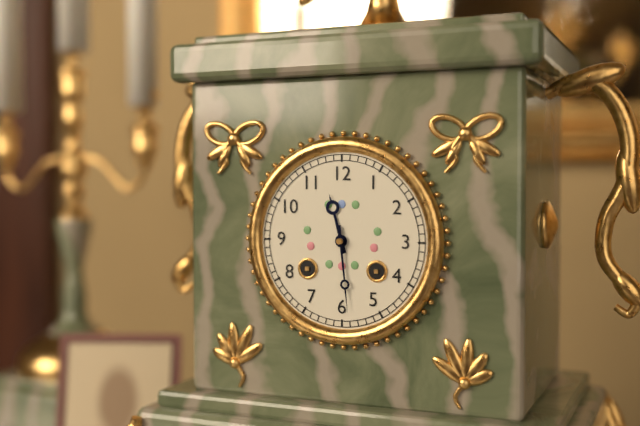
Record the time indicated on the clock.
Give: 11:29
